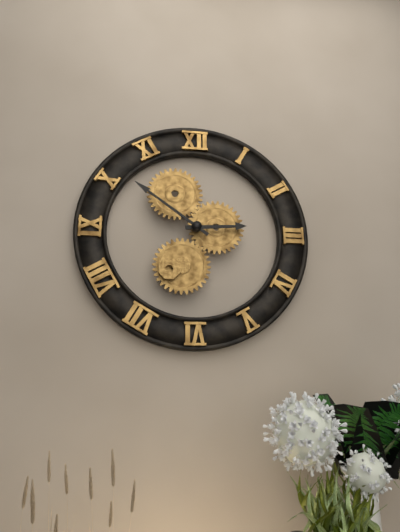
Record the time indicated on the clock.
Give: 2:51
